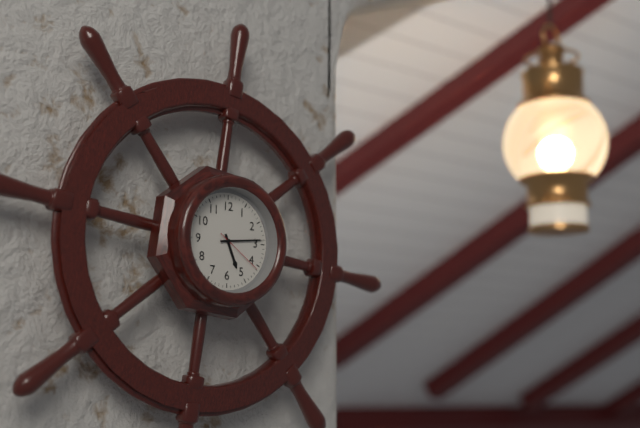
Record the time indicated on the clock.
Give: 5:14:21
